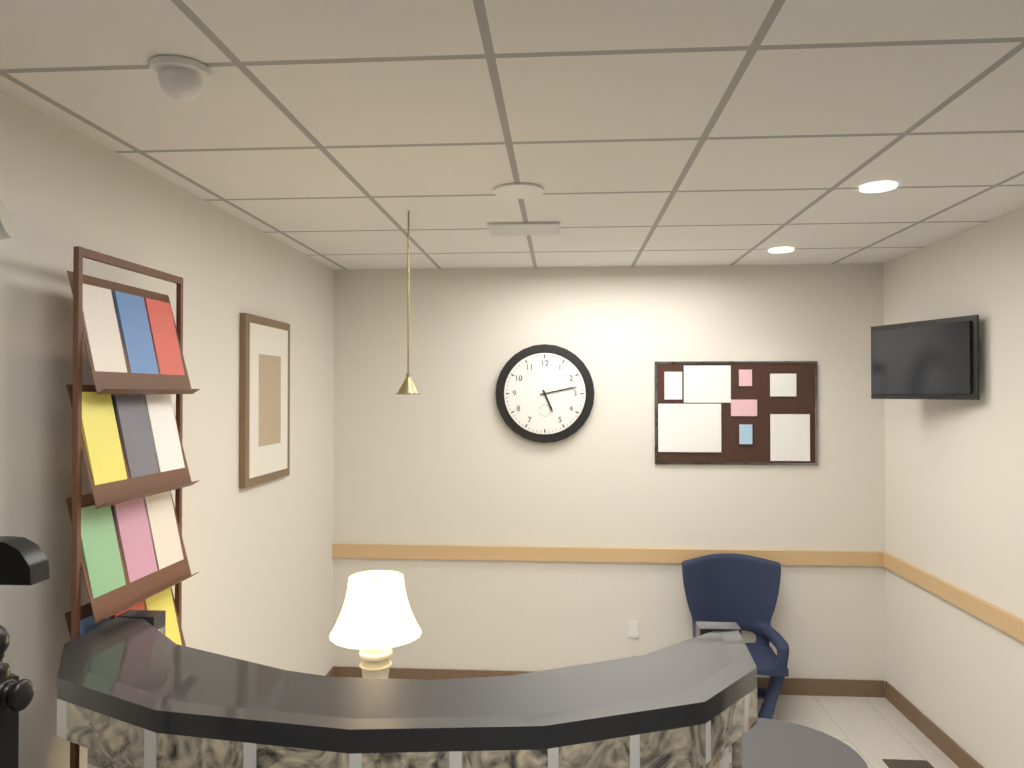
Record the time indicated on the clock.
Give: 5:13
